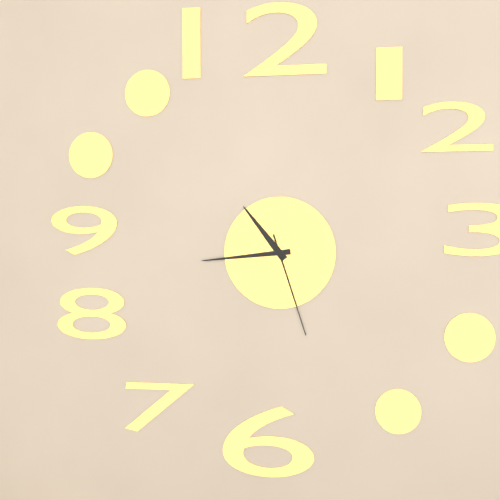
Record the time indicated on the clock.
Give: 10:44:27
